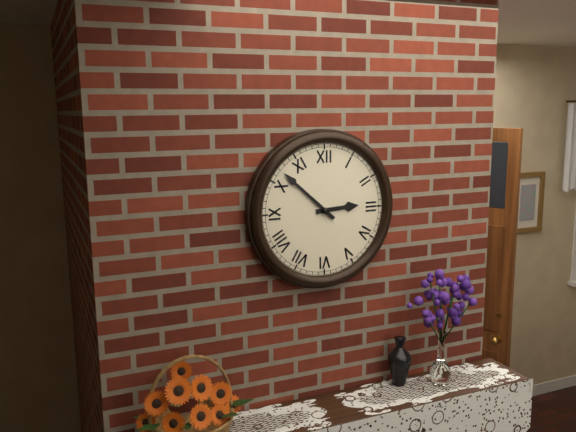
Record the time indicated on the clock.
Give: 2:52
